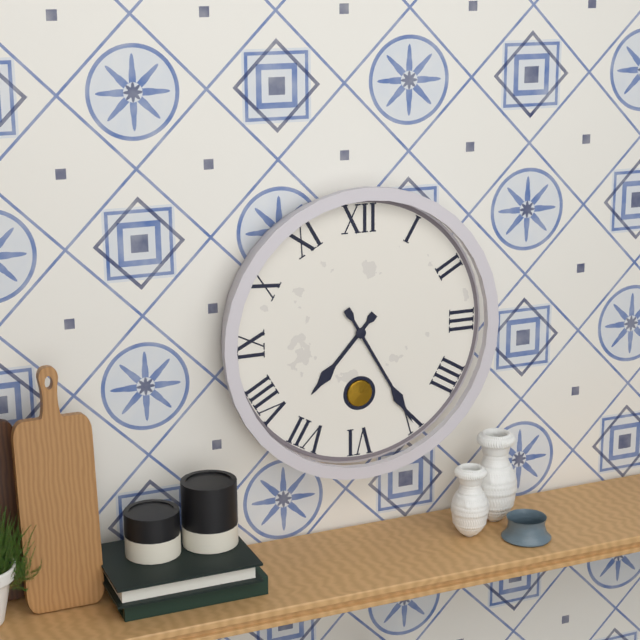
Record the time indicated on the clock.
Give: 7:25
